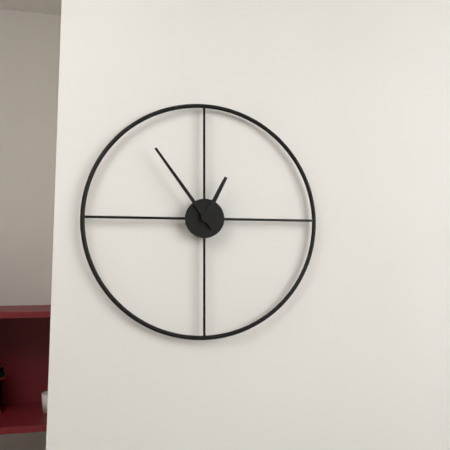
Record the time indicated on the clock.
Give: 12:54
